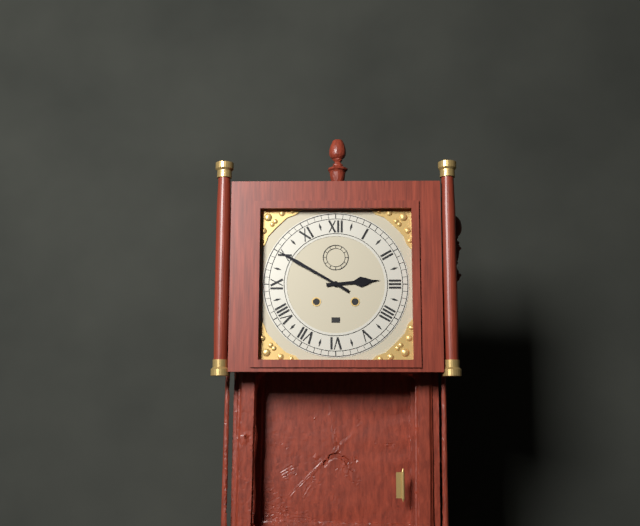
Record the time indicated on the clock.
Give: 2:50
